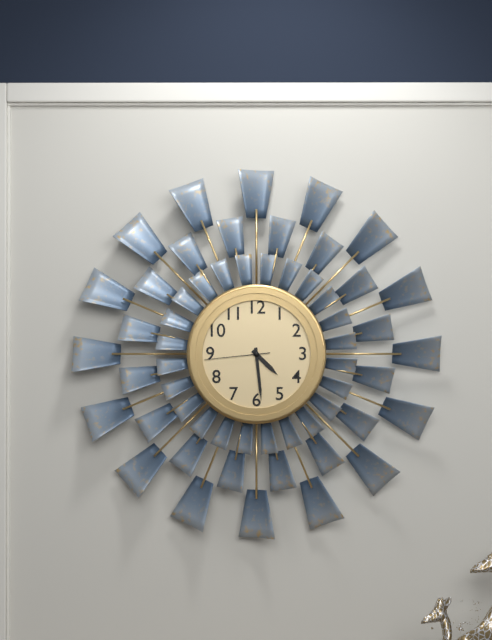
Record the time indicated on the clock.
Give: 4:29:44
